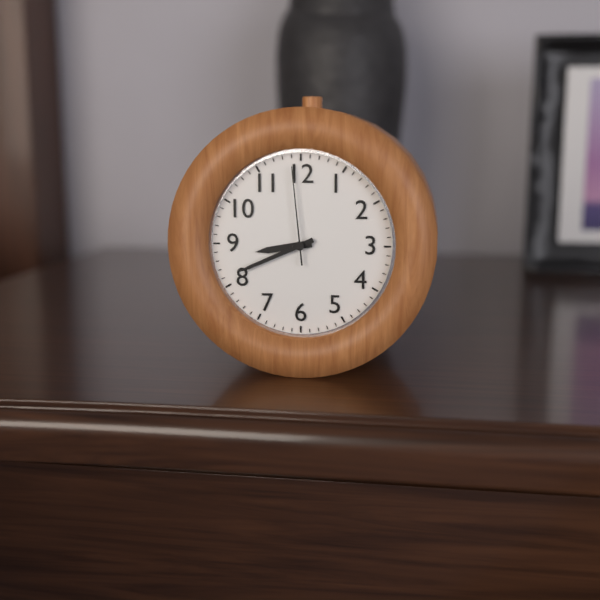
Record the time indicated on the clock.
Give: 8:41:59
